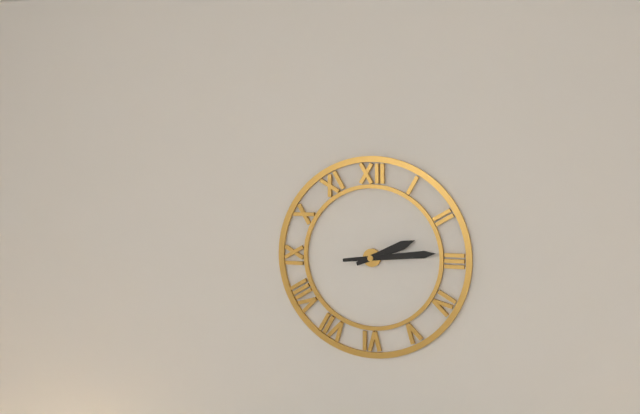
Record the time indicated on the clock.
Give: 2:14
